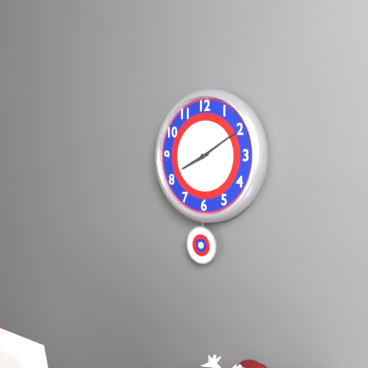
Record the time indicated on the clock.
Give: 8:10
